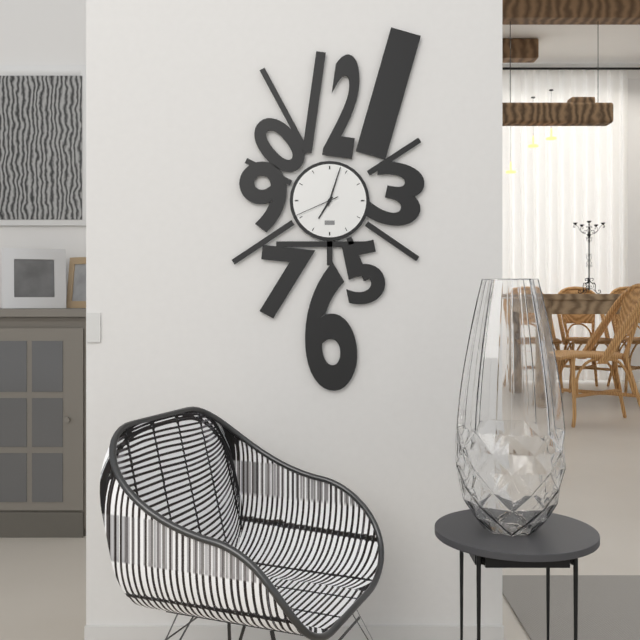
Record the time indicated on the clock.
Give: 7:03
